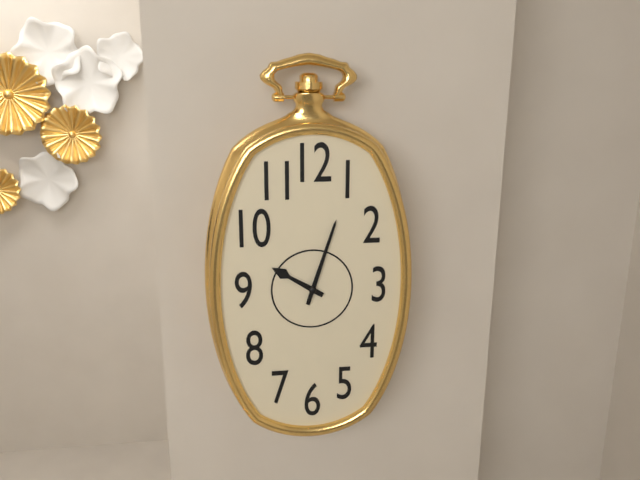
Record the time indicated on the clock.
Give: 10:03
